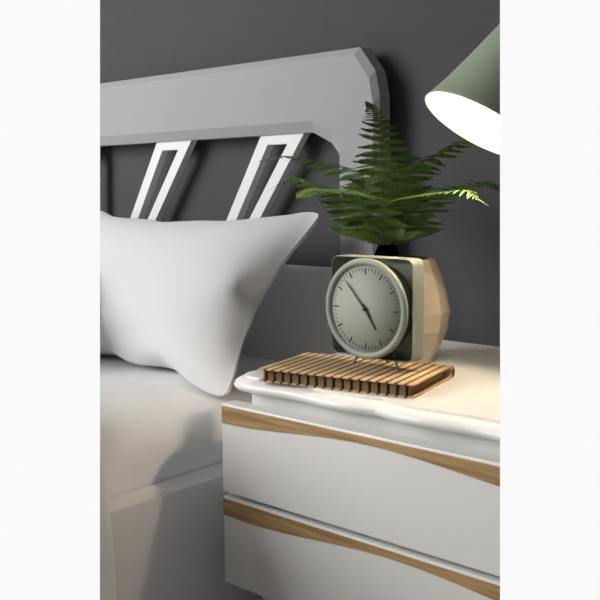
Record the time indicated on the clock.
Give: 4:53
